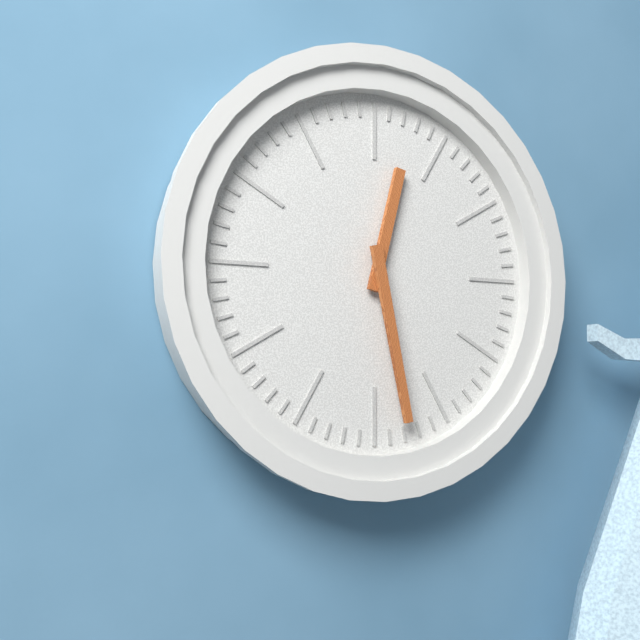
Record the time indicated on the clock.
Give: 12:28
